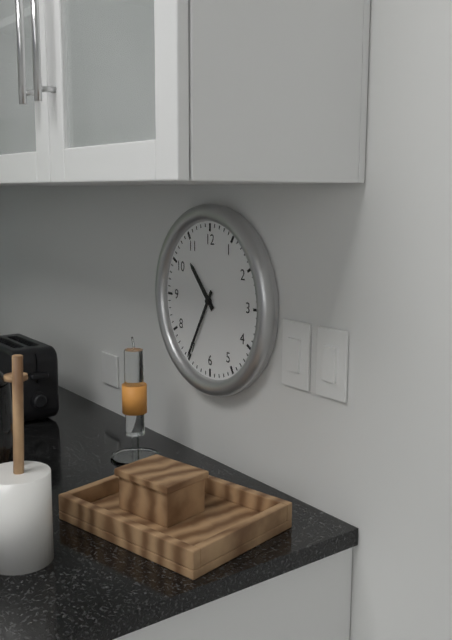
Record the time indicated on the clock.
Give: 10:35
